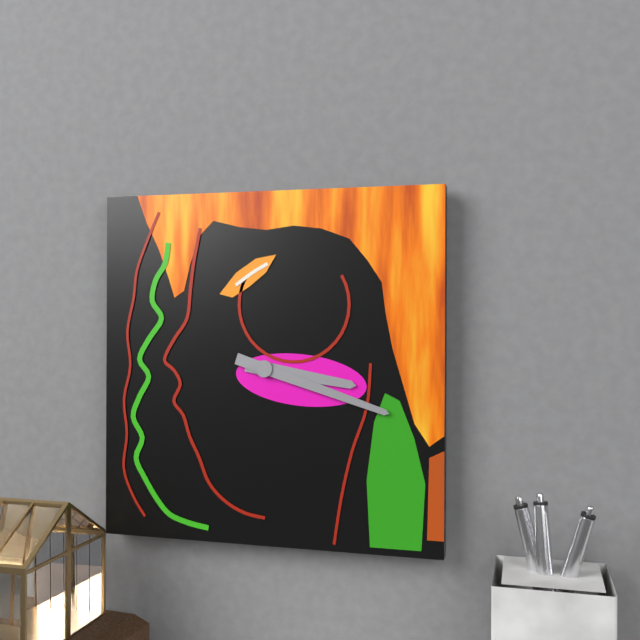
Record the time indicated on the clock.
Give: 3:18
